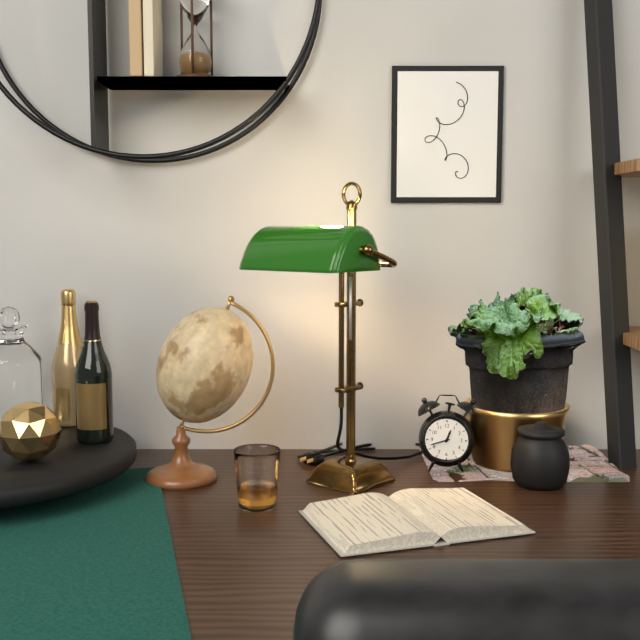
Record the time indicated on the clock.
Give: 12:42
